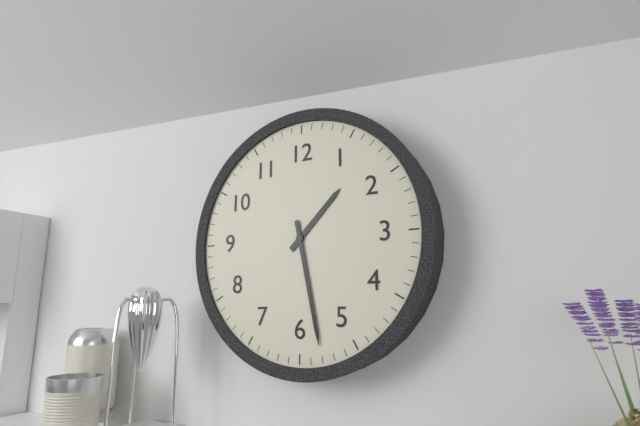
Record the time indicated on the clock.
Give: 1:28
